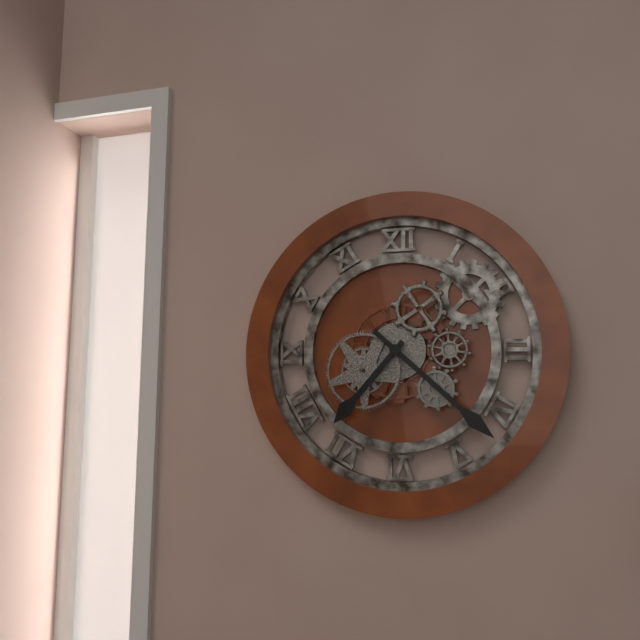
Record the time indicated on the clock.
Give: 7:22
